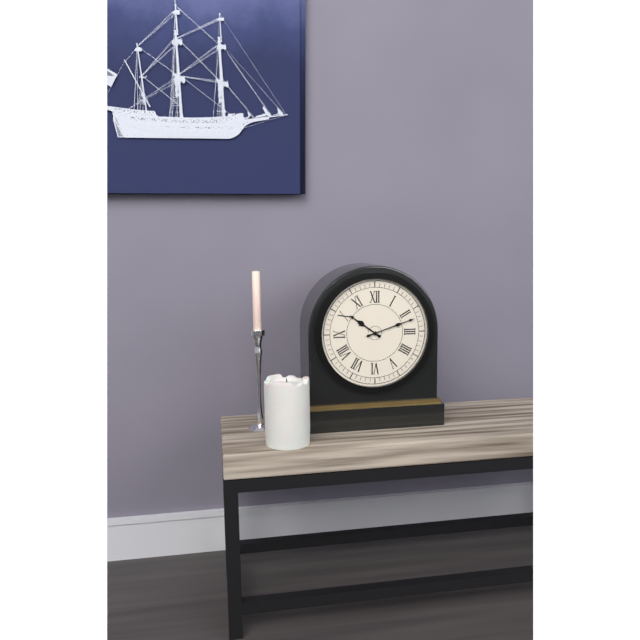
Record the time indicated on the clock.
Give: 10:12
